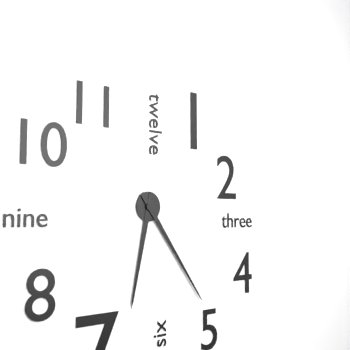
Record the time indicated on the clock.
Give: 6:24
